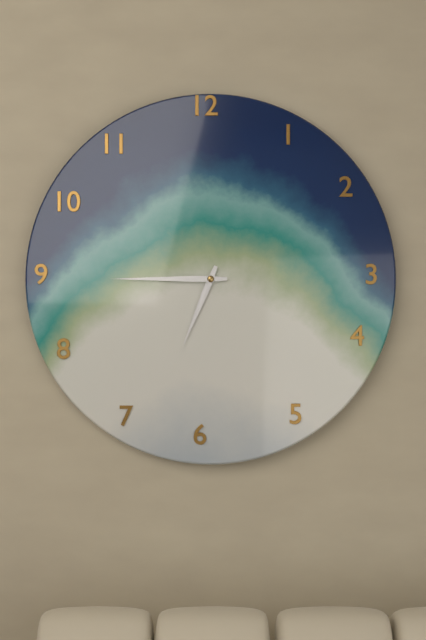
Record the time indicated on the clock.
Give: 6:45
